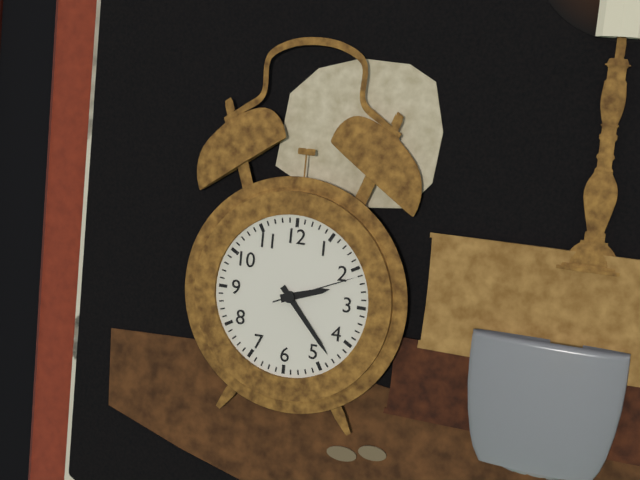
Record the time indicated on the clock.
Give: 2:23:11
